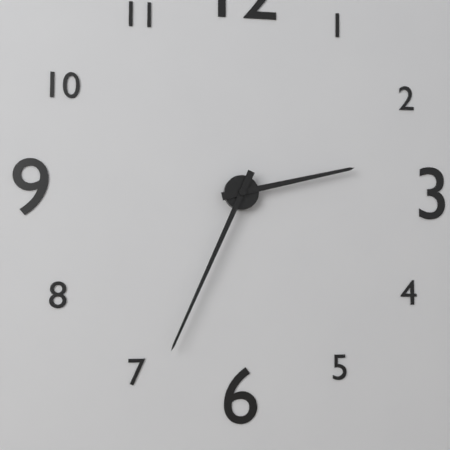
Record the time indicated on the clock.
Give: 2:34
